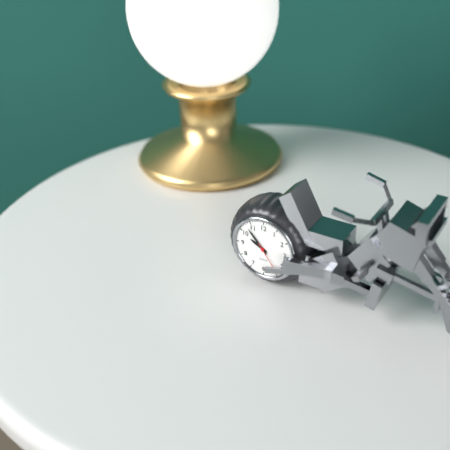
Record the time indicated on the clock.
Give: 9:53
